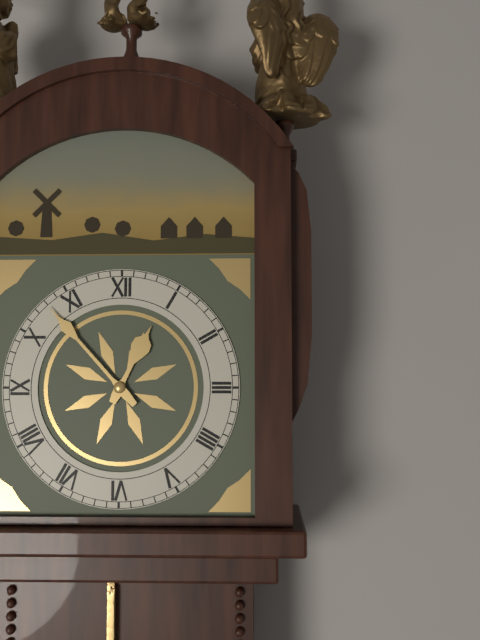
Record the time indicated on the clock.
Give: 12:53
